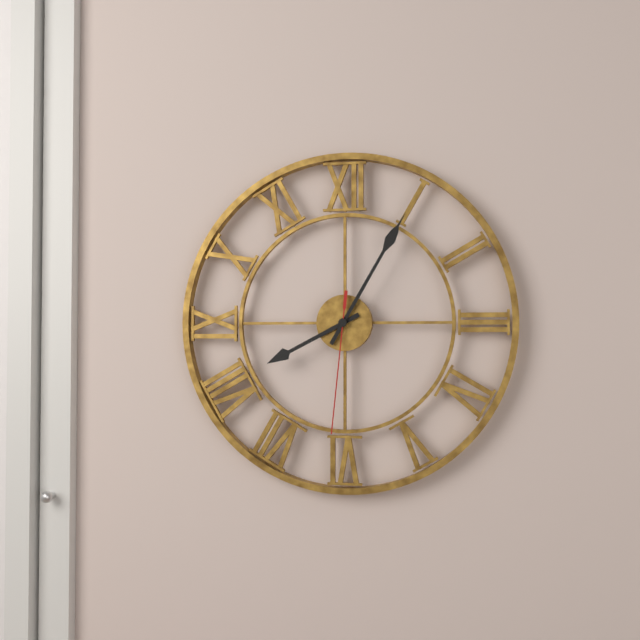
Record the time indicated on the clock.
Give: 8:05:31
